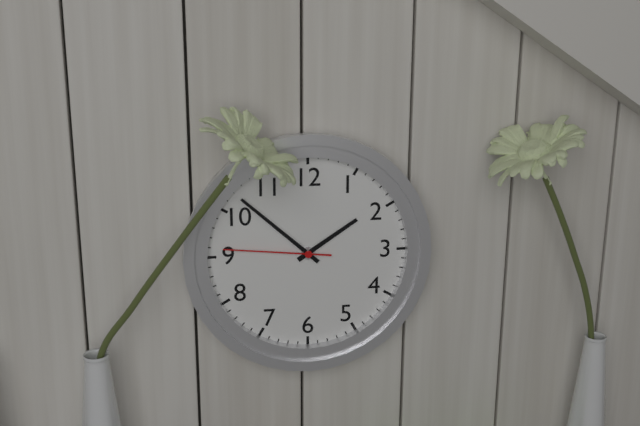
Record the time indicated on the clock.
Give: 1:52:46
